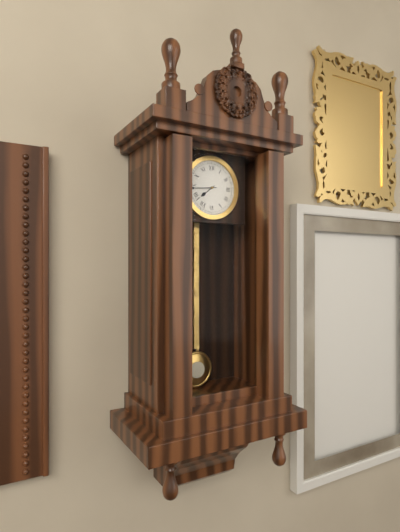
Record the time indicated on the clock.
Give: 7:44
